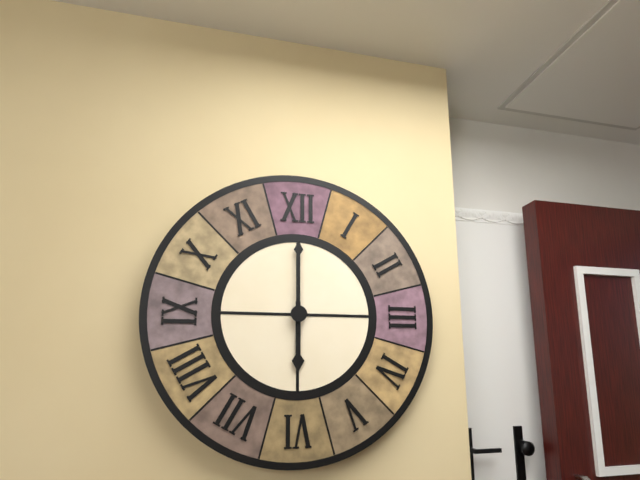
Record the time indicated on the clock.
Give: 6:00
